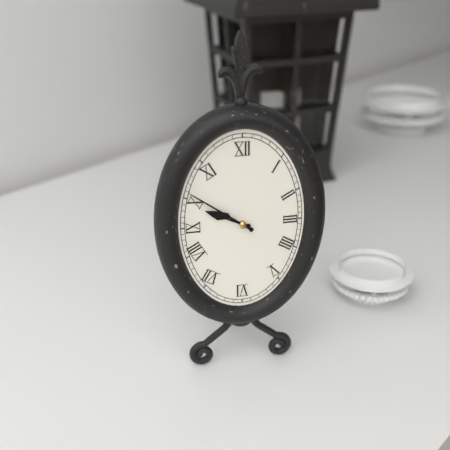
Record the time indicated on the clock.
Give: 9:51
